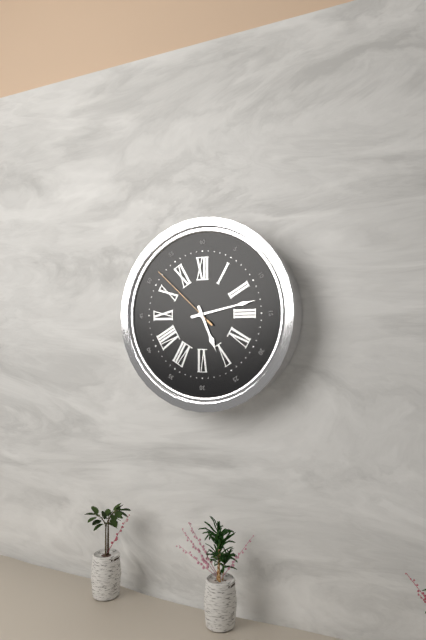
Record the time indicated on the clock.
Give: 5:13:52
